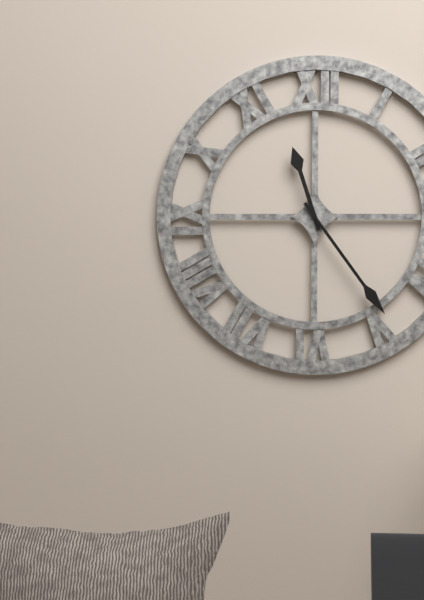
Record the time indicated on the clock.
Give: 11:24
